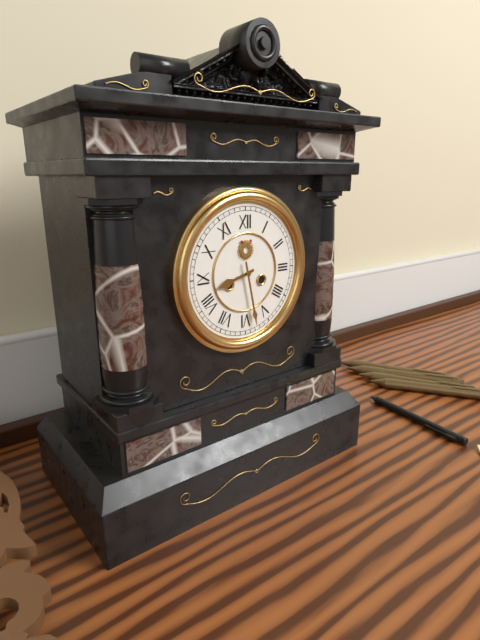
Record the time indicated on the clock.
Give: 8:28
